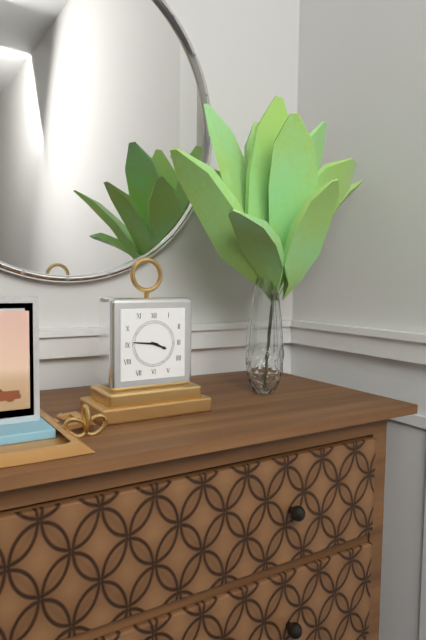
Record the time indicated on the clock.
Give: 3:46
